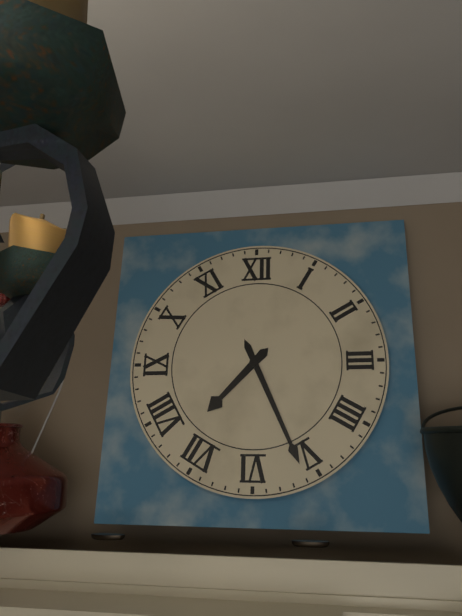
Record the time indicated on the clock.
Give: 7:26
